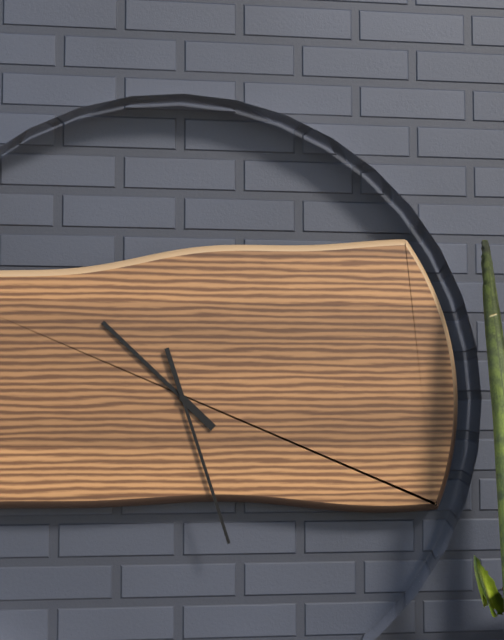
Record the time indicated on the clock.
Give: 10:27
